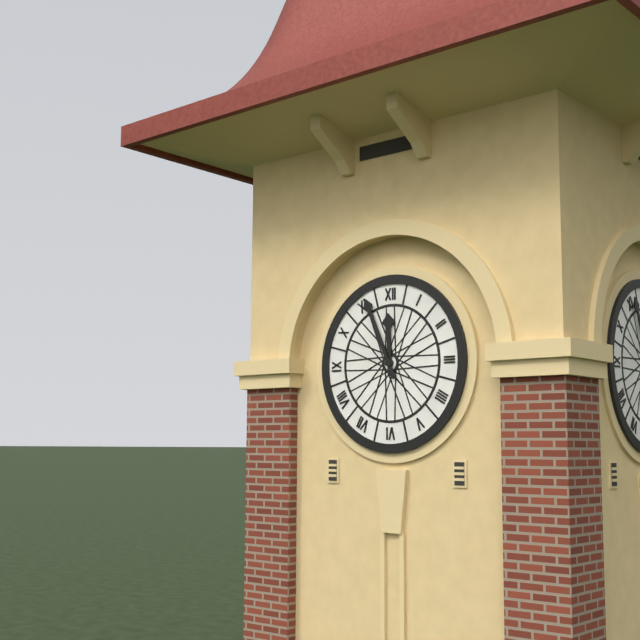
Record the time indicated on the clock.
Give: 11:56
